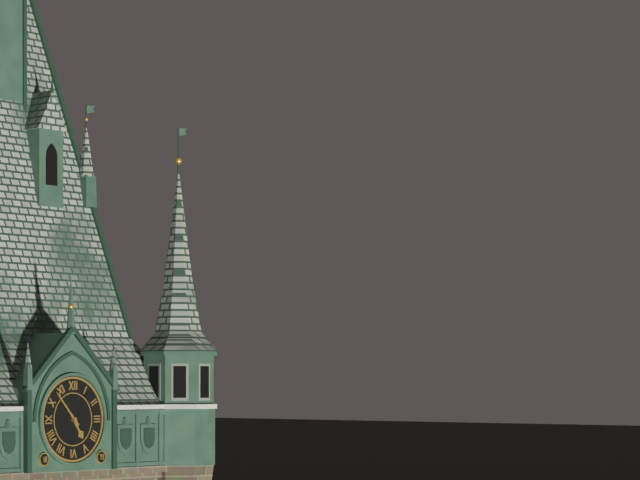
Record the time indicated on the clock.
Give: 4:53
